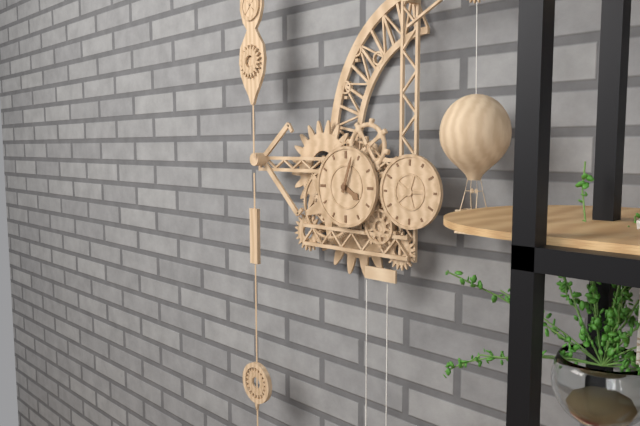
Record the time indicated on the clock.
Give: 4:03
